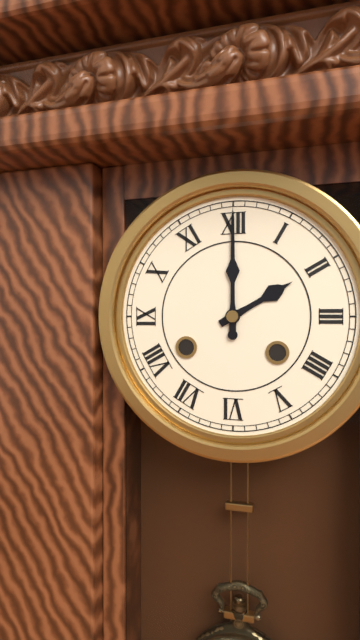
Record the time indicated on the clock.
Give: 2:00
